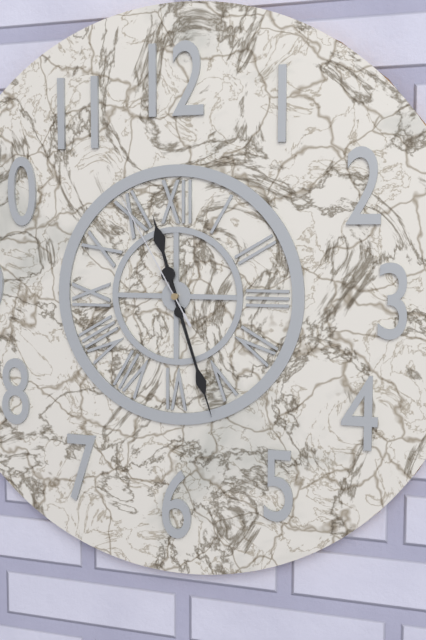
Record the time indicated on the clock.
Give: 11:27:55
